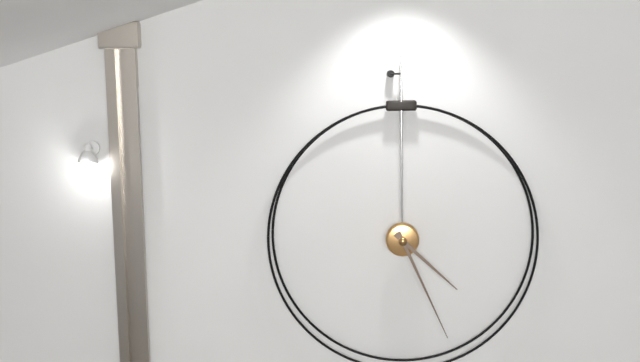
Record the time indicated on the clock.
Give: 4:26
